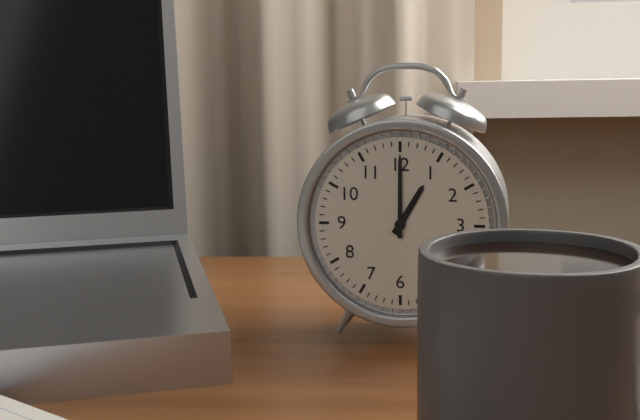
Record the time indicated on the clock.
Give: 1:00
